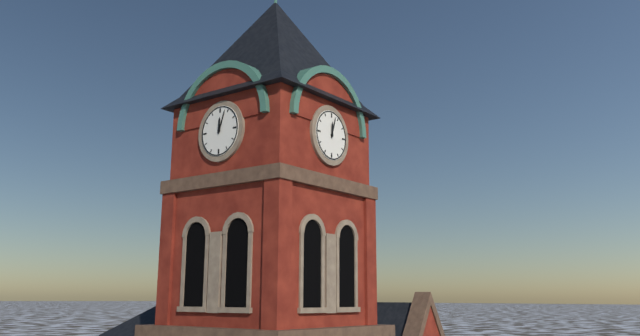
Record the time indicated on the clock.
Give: 12:03
